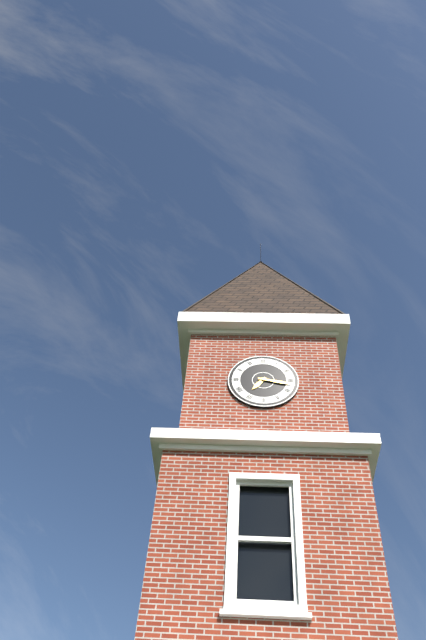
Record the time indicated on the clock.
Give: 7:17
